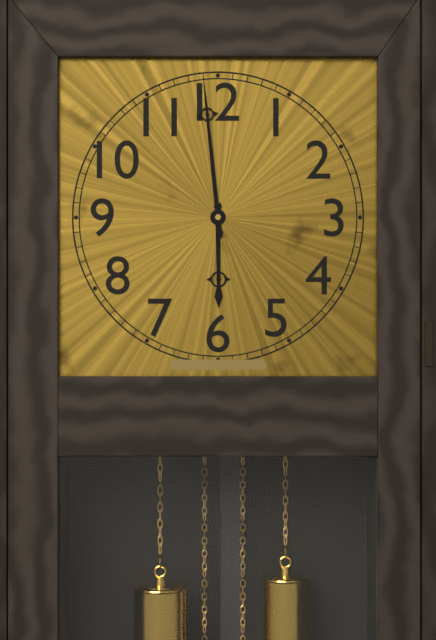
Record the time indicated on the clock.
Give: 5:59
